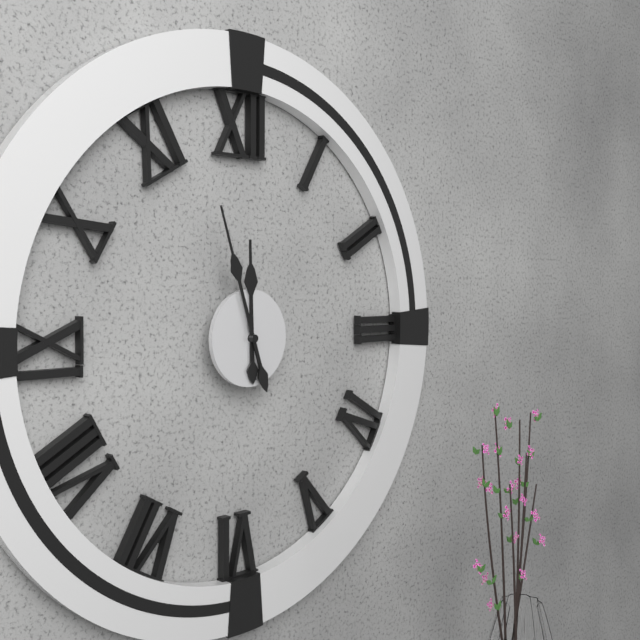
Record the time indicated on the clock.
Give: 11:57
